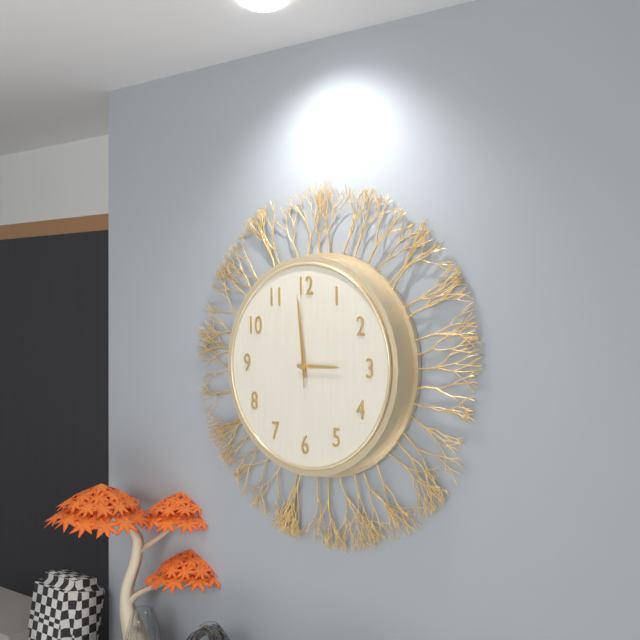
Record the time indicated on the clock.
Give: 2:59:59
